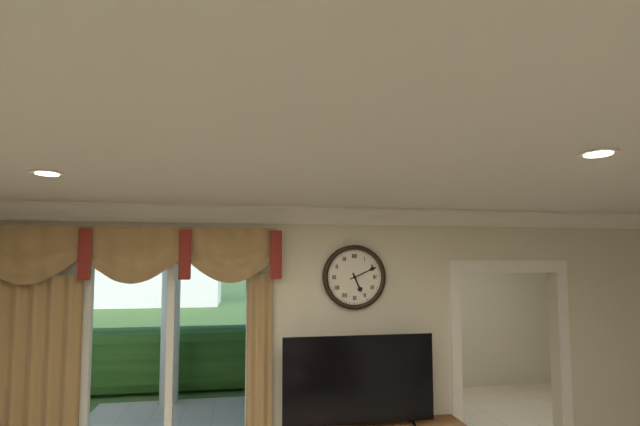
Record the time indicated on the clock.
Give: 5:11
